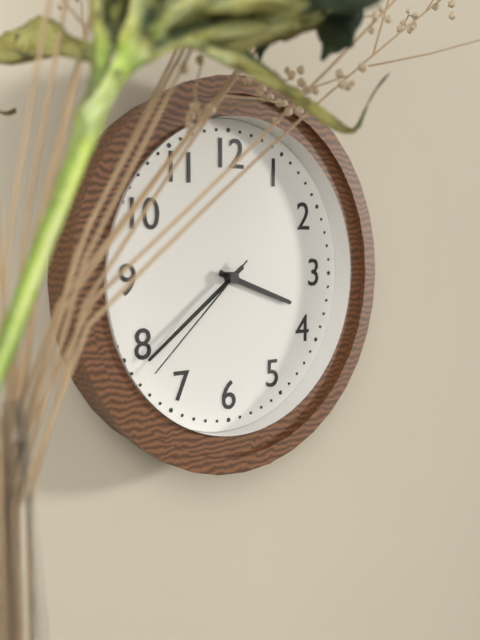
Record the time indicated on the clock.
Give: 3:39:38
